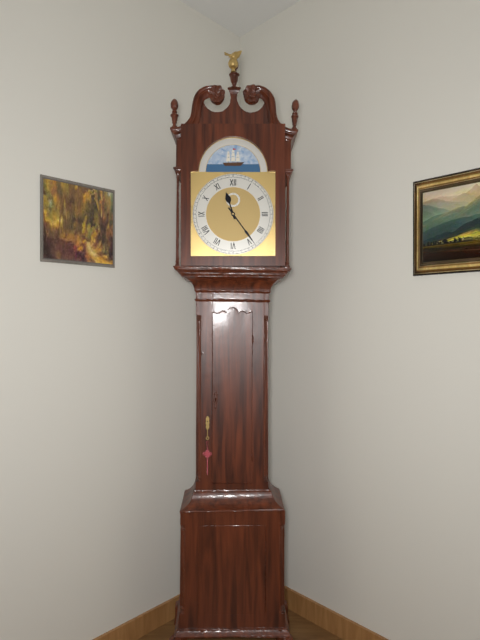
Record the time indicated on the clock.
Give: 11:24
